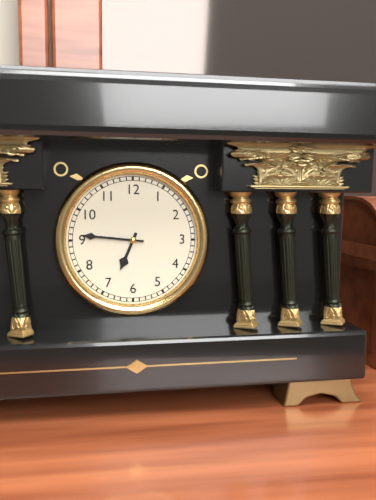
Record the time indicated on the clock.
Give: 6:46
